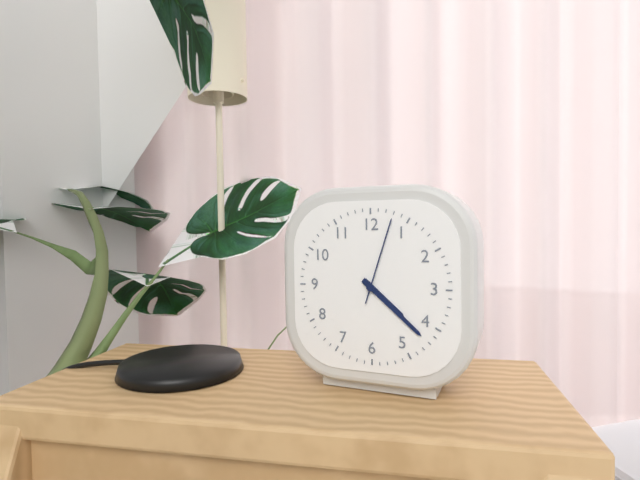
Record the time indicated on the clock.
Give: 4:22:03
